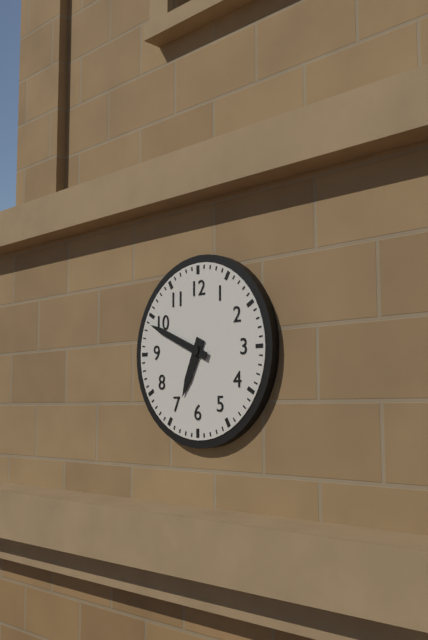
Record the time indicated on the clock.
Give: 6:49
